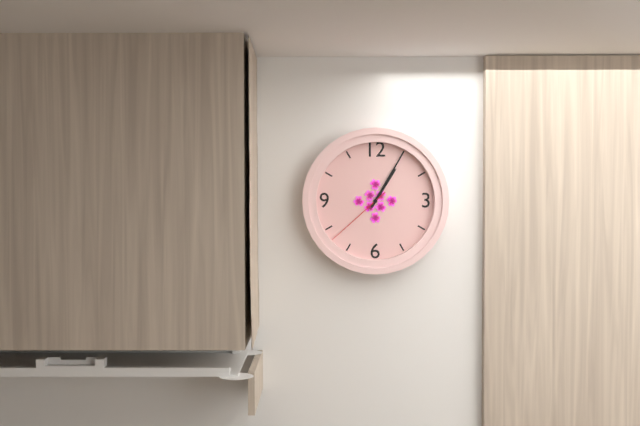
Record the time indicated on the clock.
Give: 1:05:38
